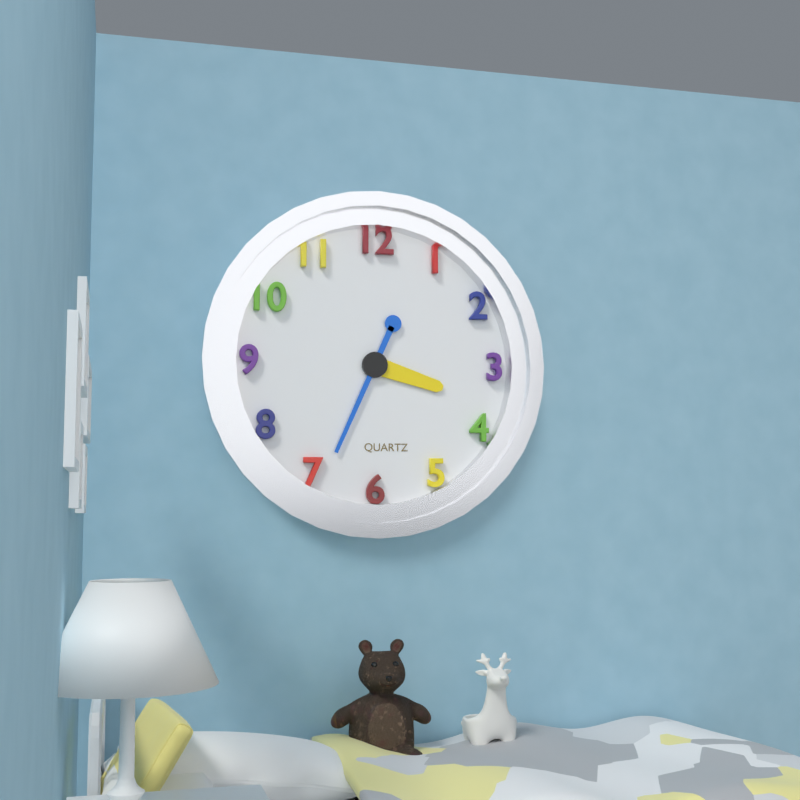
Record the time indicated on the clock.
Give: 3:34
